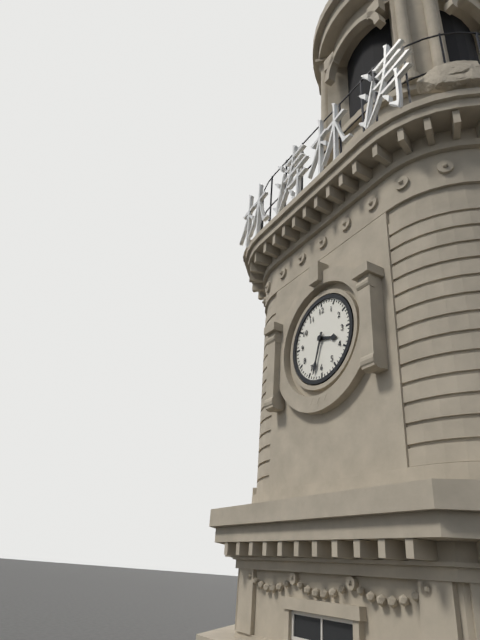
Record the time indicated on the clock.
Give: 3:33
